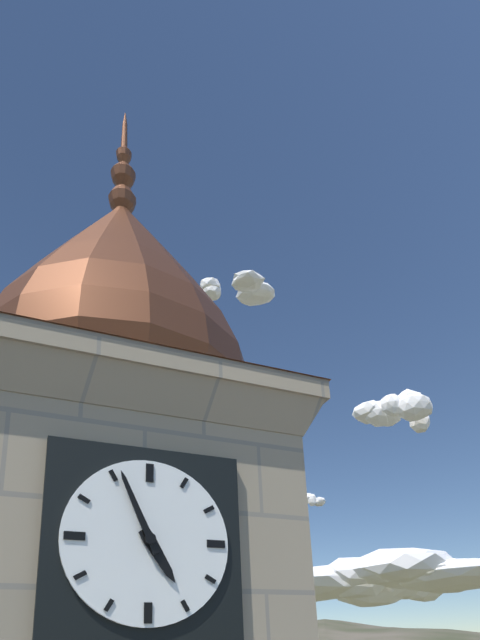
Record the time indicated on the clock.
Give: 4:56
